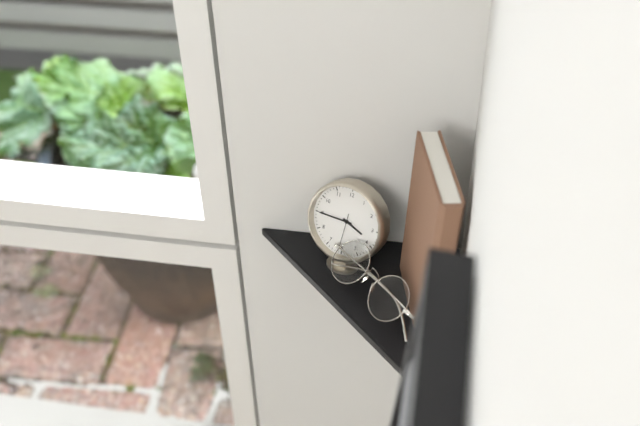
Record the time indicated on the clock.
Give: 3:45
